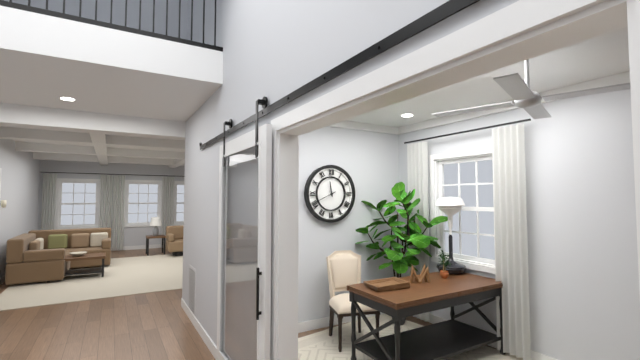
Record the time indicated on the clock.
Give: 11:41
